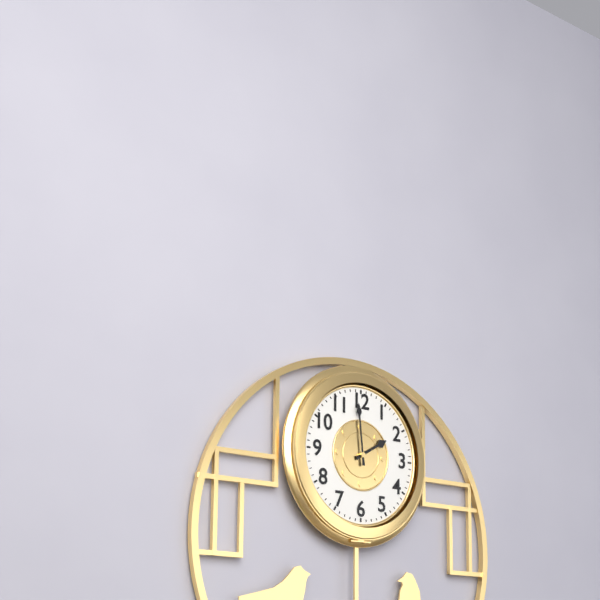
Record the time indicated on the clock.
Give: 1:59
